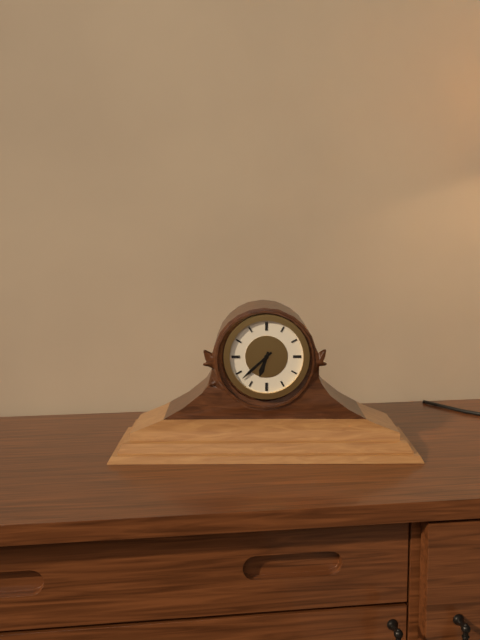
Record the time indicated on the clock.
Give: 6:38
